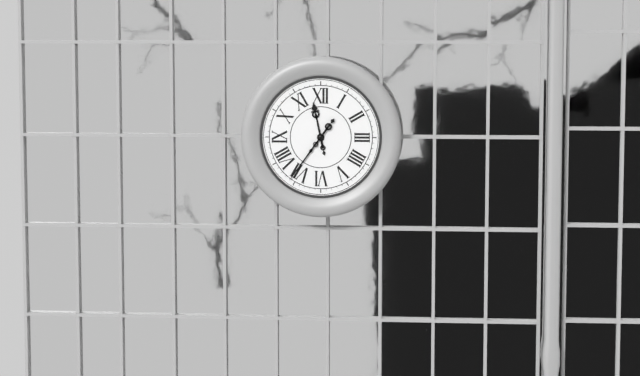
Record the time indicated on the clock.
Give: 11:36
